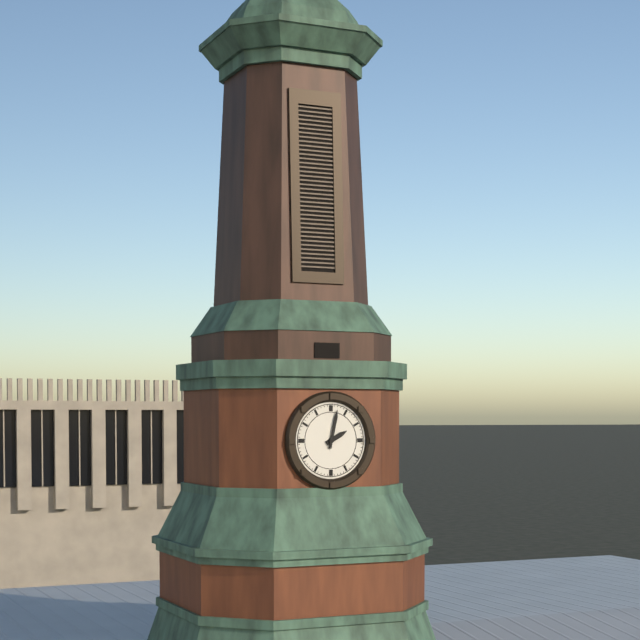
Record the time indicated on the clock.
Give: 2:02
